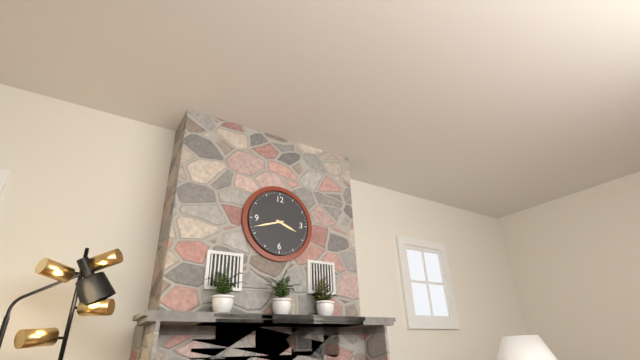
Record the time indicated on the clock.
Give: 3:42
